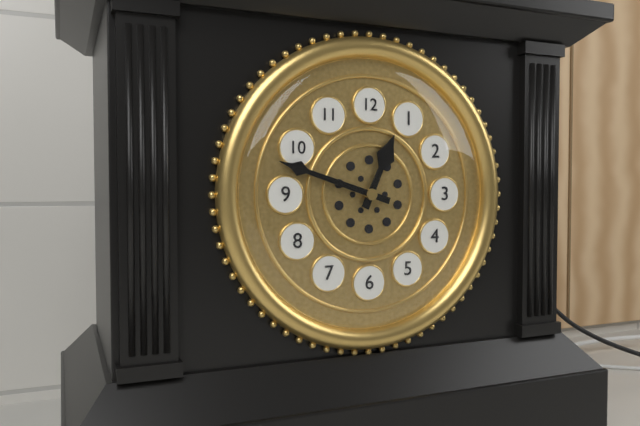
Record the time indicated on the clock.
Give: 12:48
